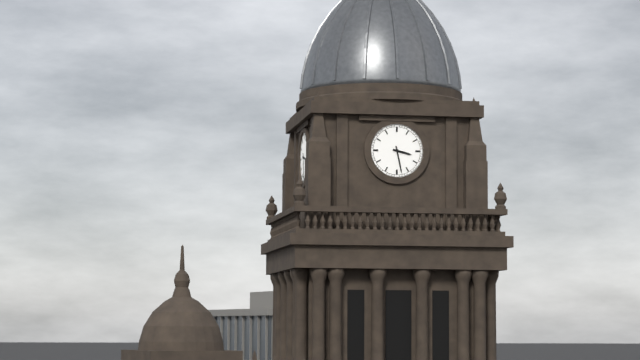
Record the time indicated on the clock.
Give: 3:28
